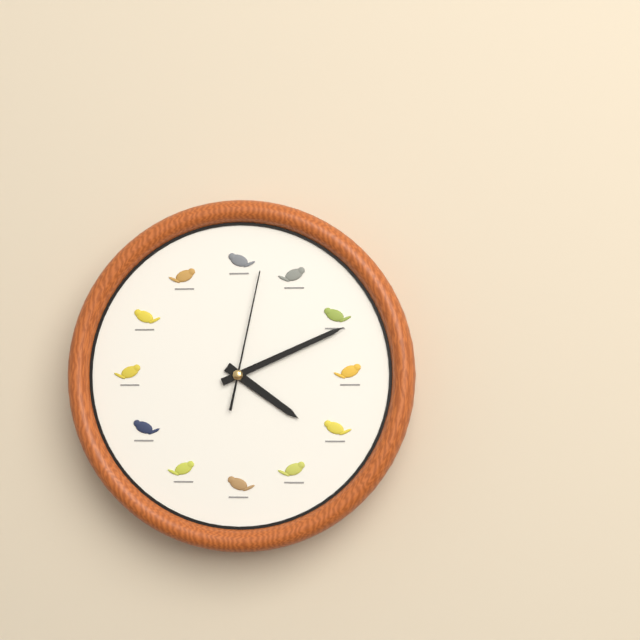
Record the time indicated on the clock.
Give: 4:11:02
